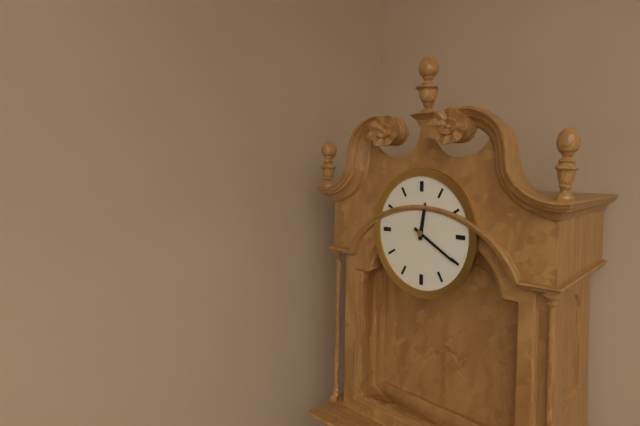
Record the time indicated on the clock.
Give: 12:20
